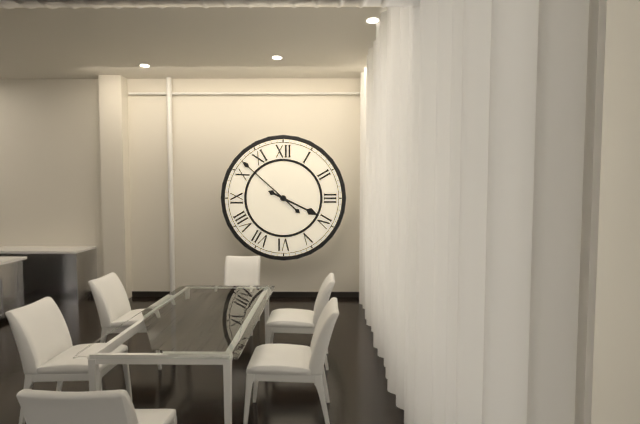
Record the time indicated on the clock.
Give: 3:52
